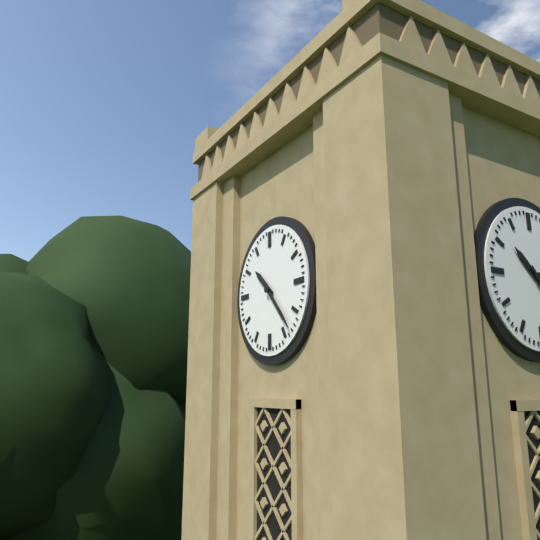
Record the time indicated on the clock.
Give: 10:23
